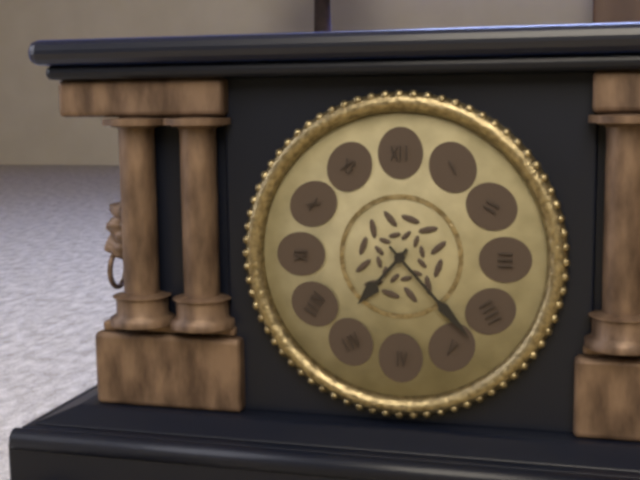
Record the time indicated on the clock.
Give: 7:23
